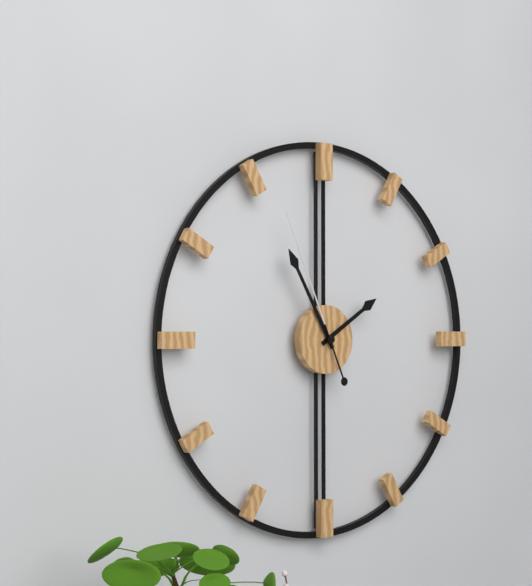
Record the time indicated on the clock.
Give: 1:55:56
